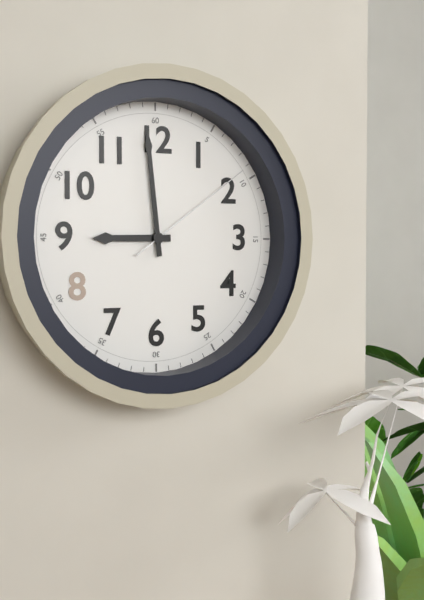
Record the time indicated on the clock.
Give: 8:59:09
